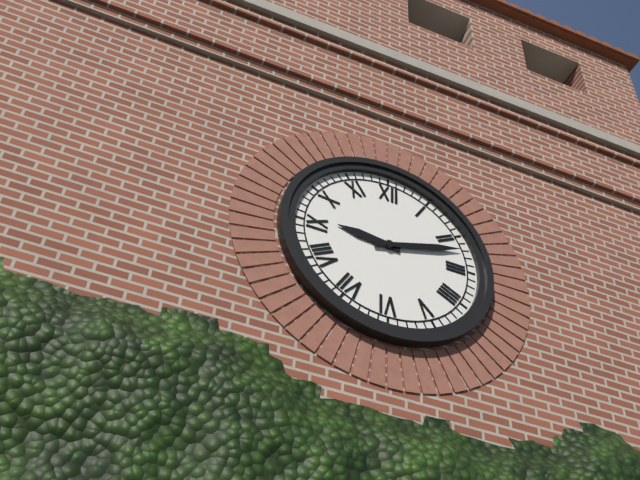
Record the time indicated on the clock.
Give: 9:12
